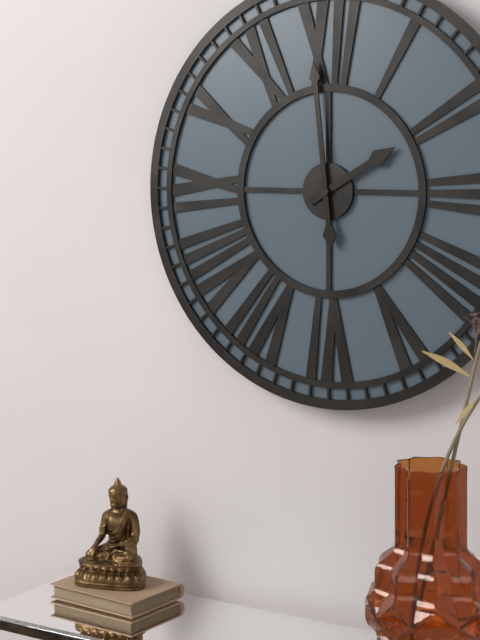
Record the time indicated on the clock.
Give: 1:59
